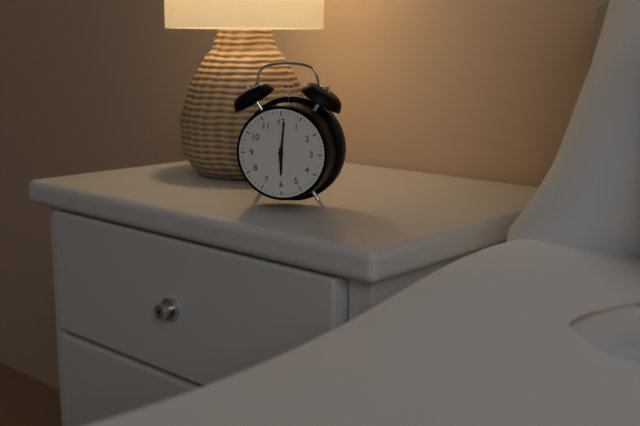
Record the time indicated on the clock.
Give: 6:01
